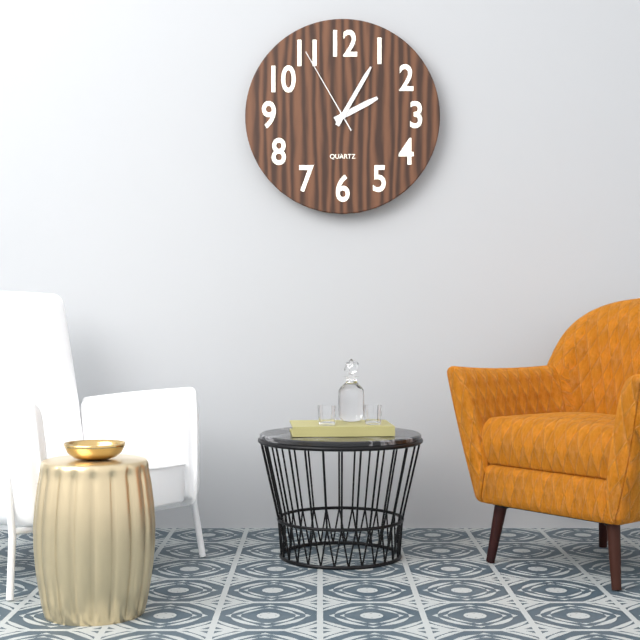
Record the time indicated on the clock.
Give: 2:05:55
